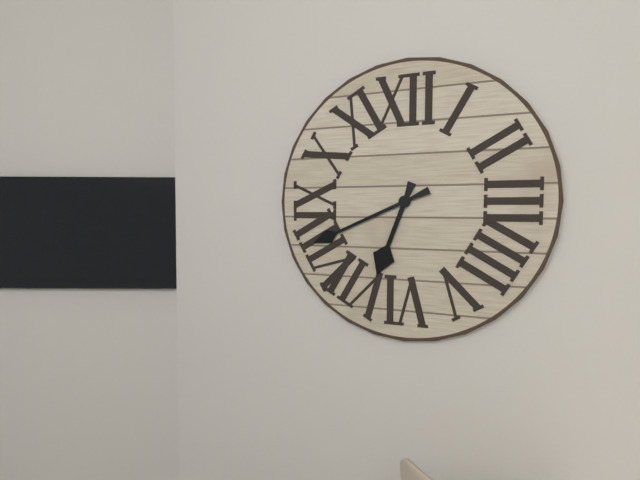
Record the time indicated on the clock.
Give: 6:41
